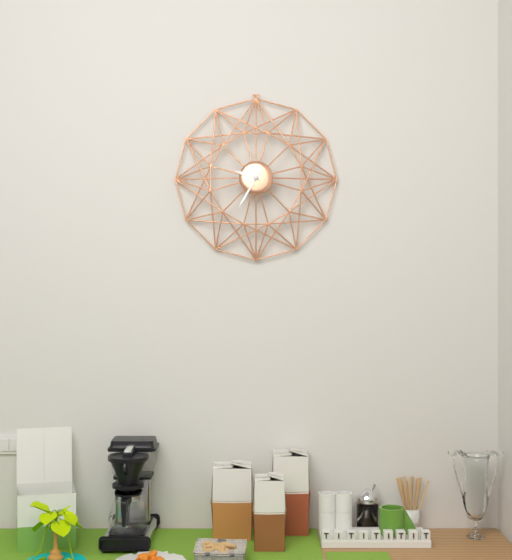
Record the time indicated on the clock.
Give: 9:35
